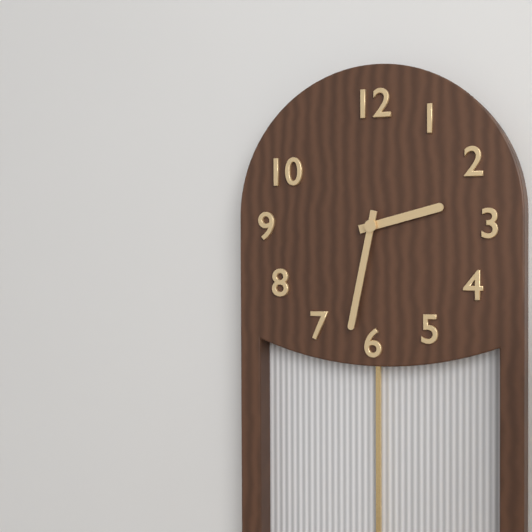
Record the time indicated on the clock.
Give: 2:32
